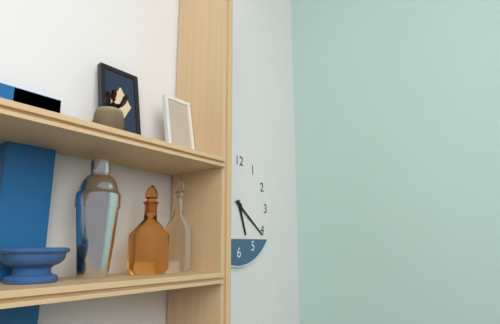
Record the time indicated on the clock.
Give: 5:21
